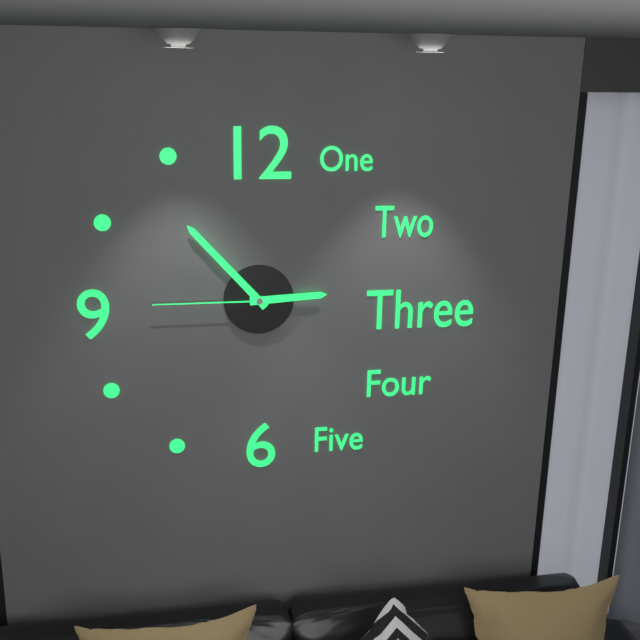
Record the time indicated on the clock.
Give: 2:53:45
